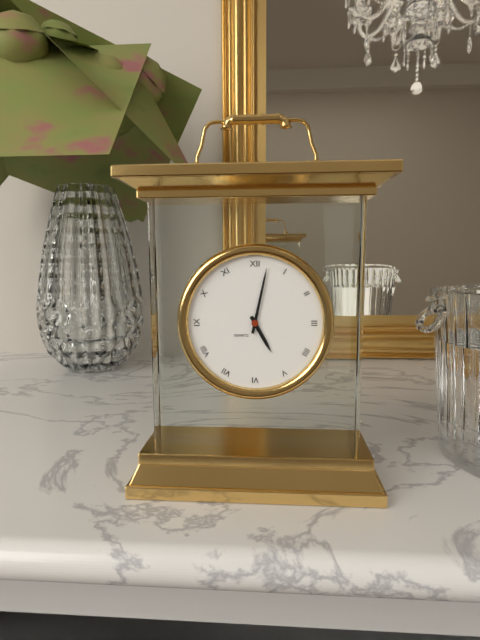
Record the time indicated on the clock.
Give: 5:02
